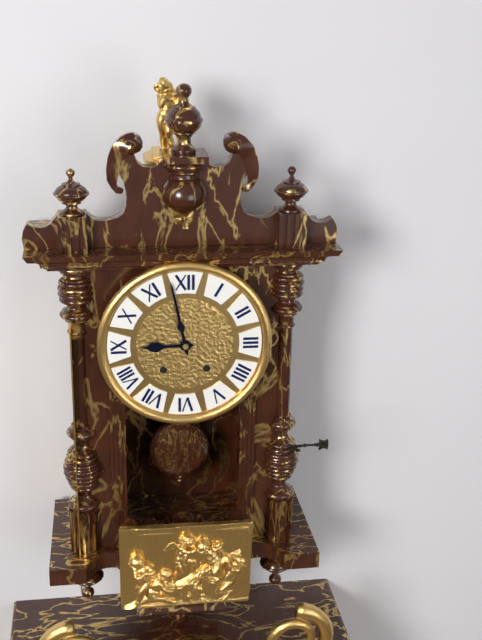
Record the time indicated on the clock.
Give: 8:58
